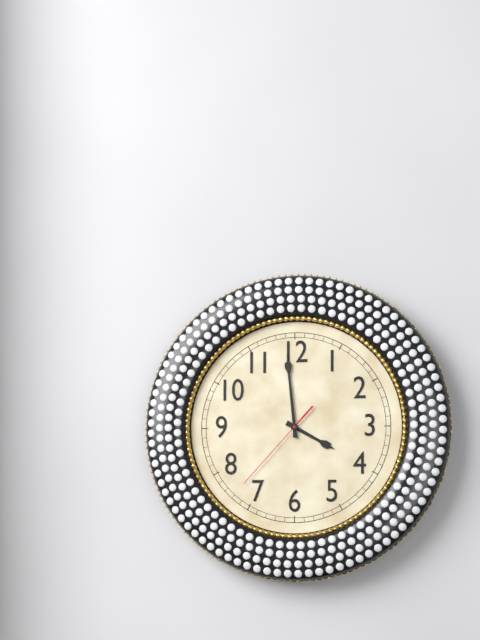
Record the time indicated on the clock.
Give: 3:59:37
